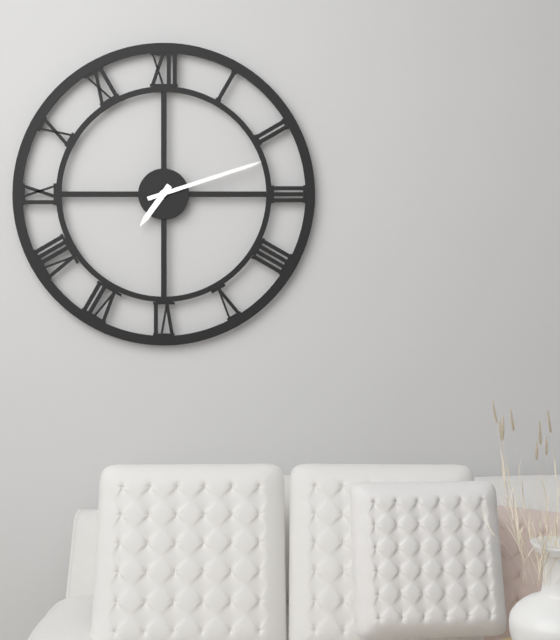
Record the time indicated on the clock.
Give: 7:12
